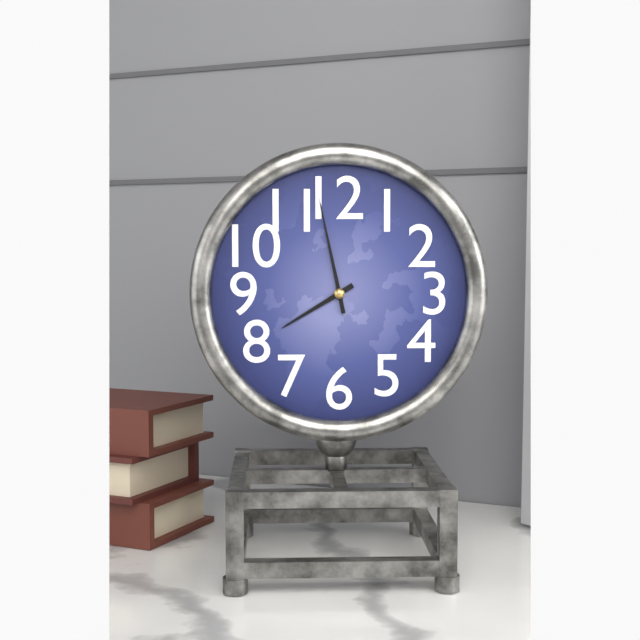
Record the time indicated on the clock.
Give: 7:58
